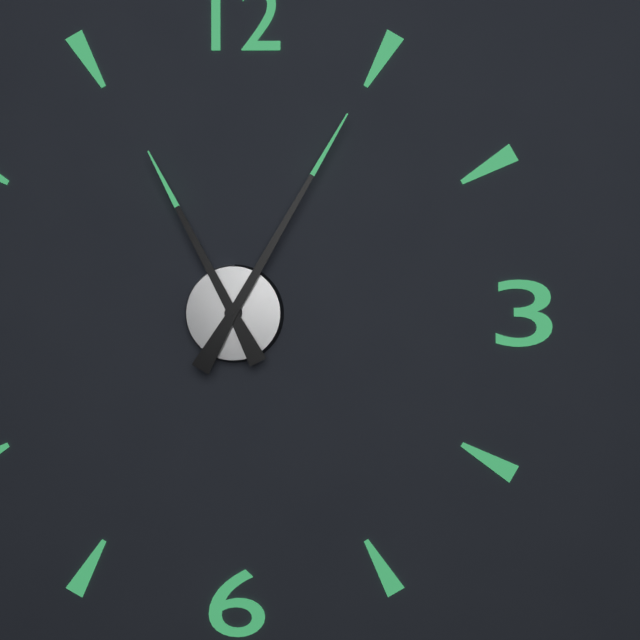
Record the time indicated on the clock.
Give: 11:05
